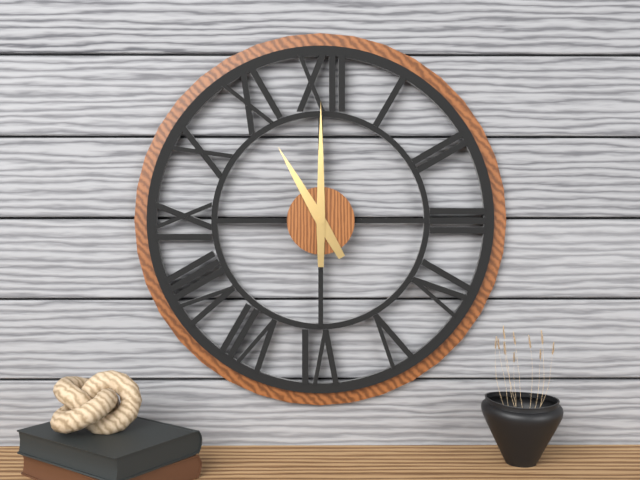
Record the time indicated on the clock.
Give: 11:00
